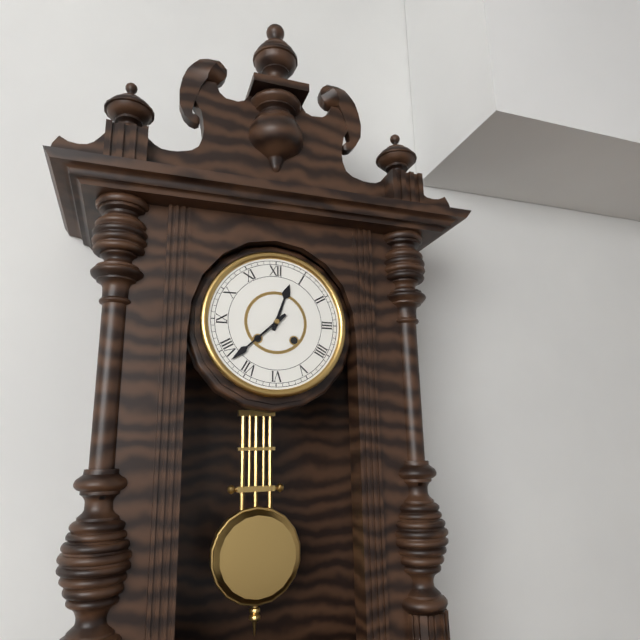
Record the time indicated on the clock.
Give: 12:38
